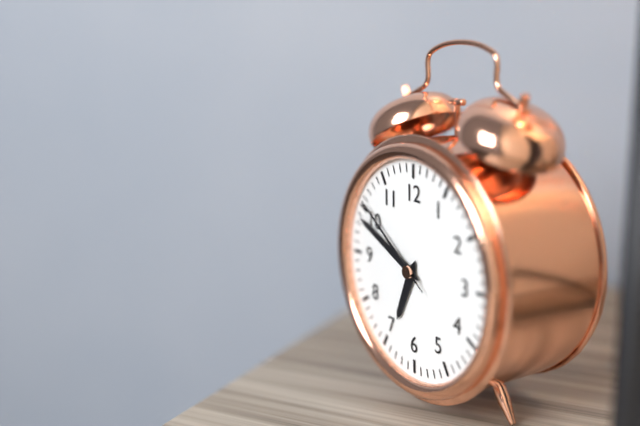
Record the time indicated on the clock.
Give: 6:49:51
